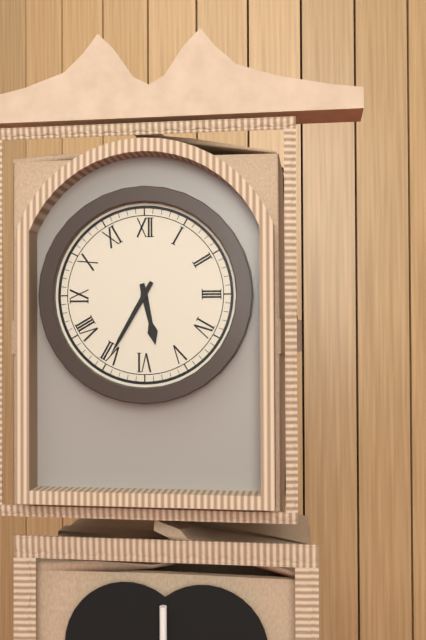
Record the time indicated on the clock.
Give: 5:35
